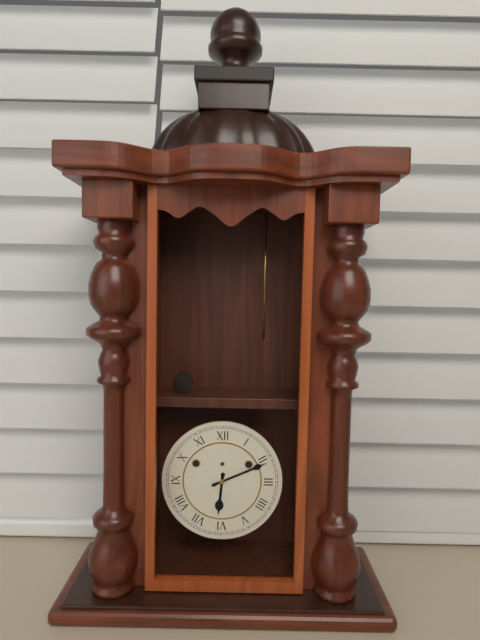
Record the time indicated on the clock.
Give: 6:11
